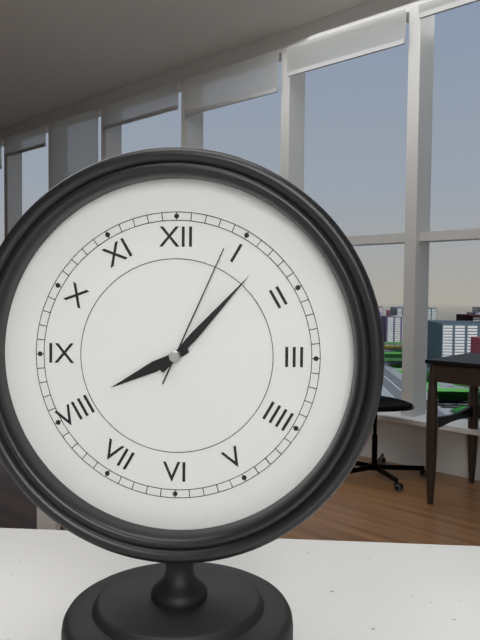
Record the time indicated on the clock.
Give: 8:07:04
